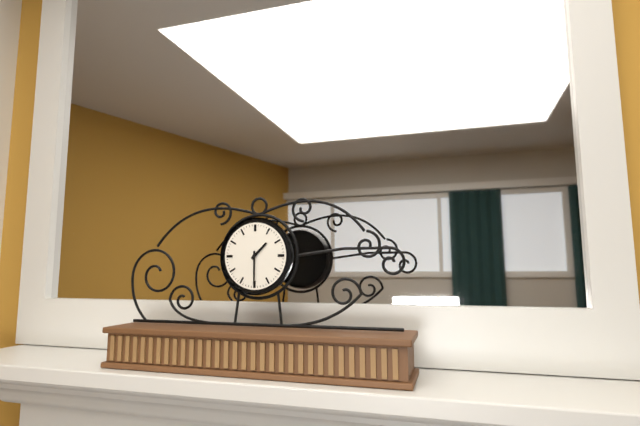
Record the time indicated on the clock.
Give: 1:30
